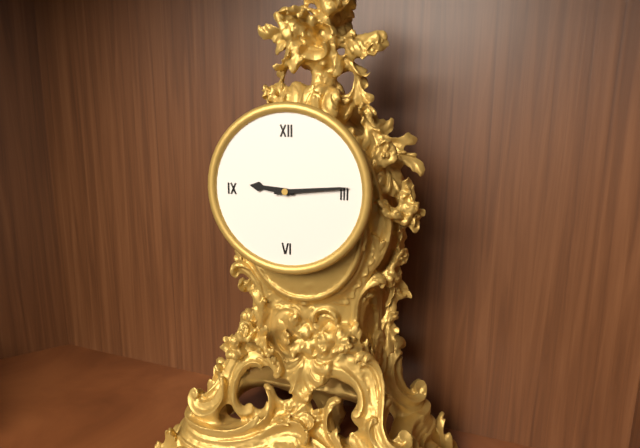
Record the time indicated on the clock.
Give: 9:14
